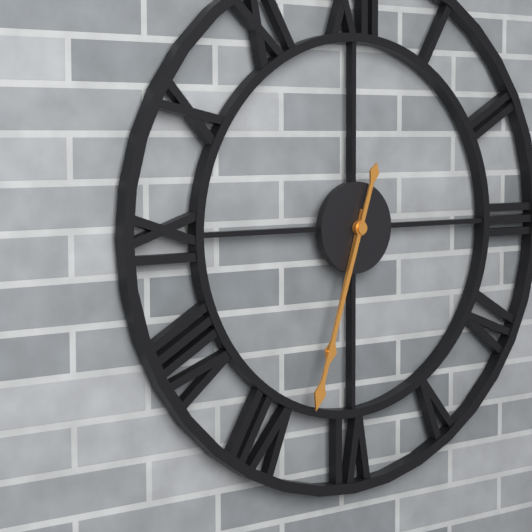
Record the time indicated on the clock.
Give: 6:33
